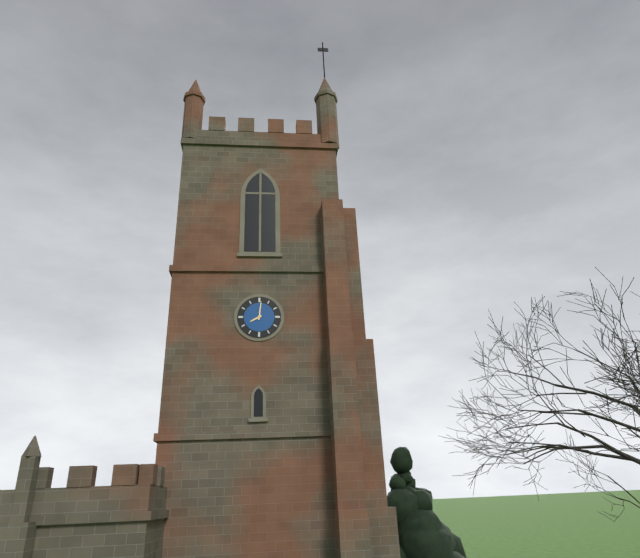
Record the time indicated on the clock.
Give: 8:01
